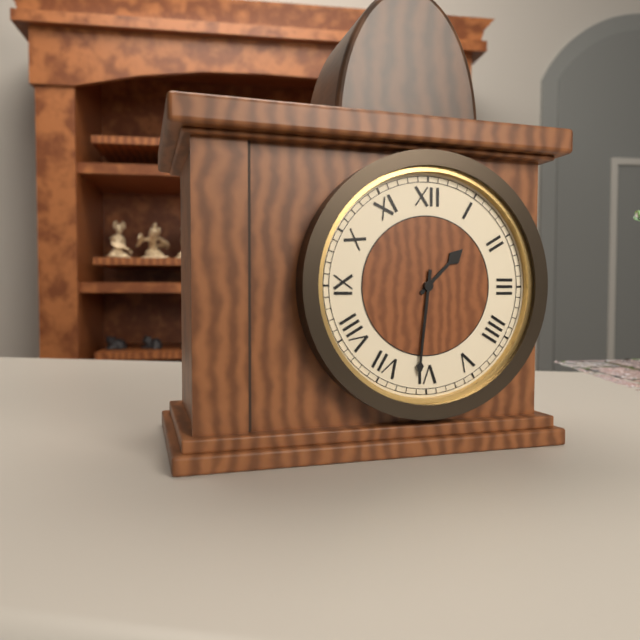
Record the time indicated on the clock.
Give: 1:31
